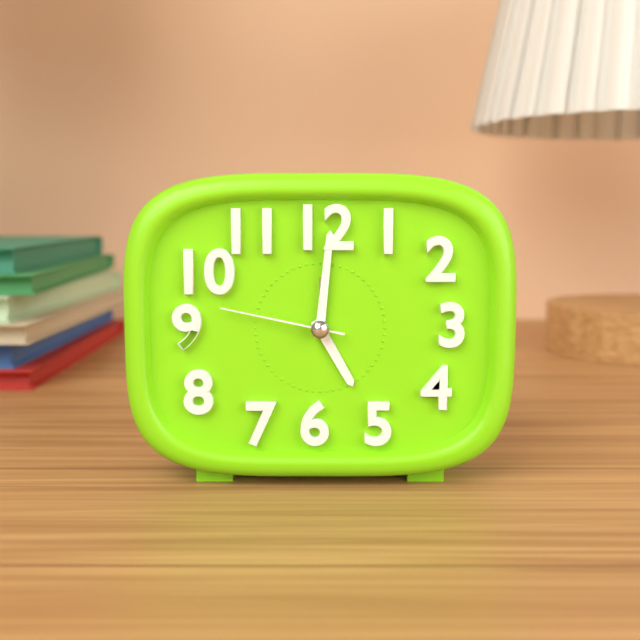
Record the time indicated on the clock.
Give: 5:01:47
